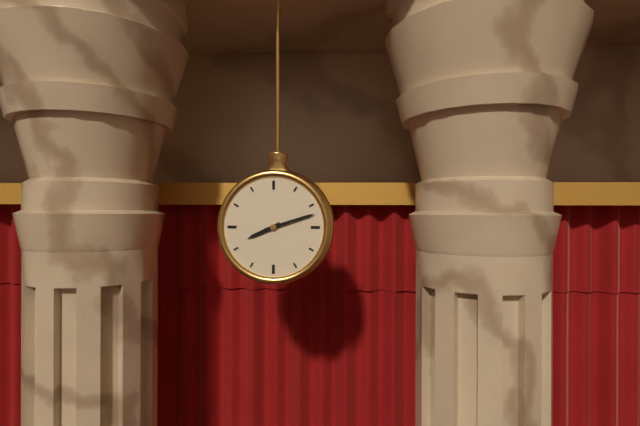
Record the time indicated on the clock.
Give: 8:12
